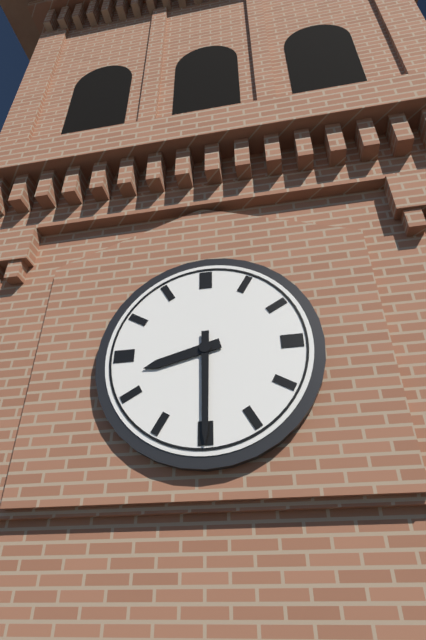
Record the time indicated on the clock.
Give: 8:30
